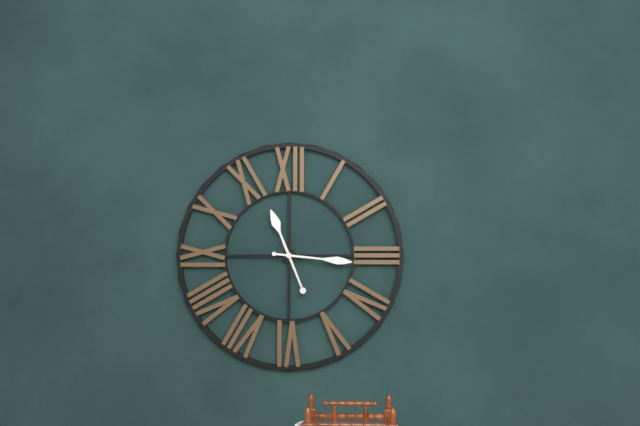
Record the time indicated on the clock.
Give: 11:16
